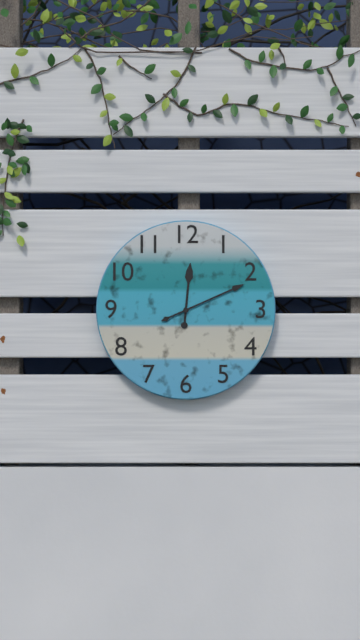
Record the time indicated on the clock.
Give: 12:11
